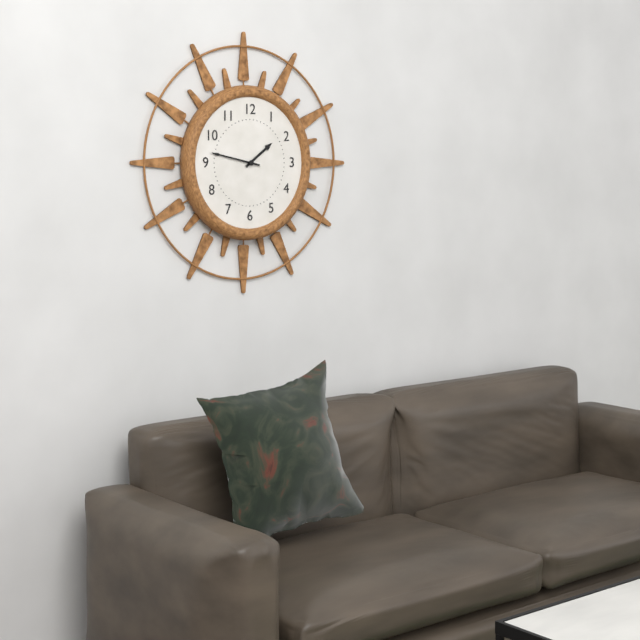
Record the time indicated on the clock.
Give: 1:47
